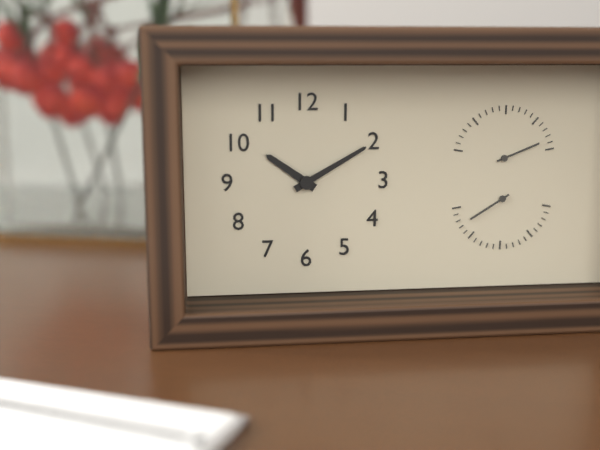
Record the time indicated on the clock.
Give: 10:10
